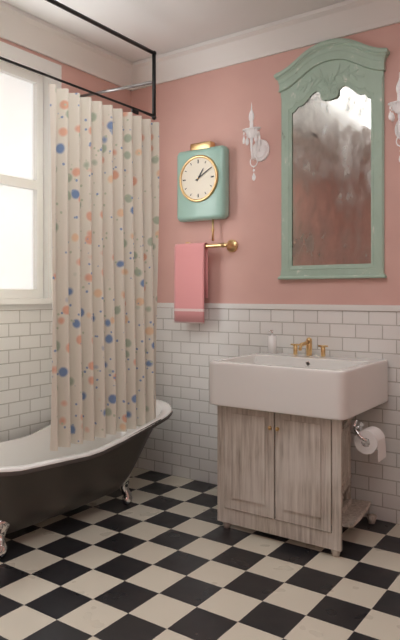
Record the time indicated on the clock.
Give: 1:10
